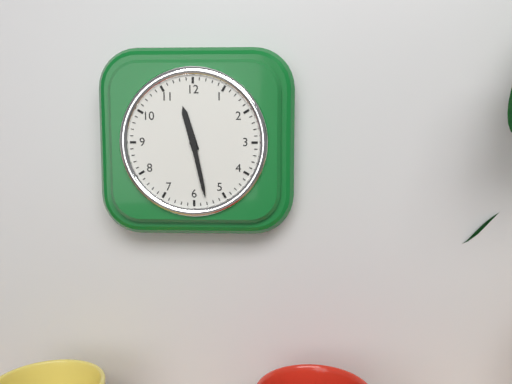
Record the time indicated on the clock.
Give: 11:28
